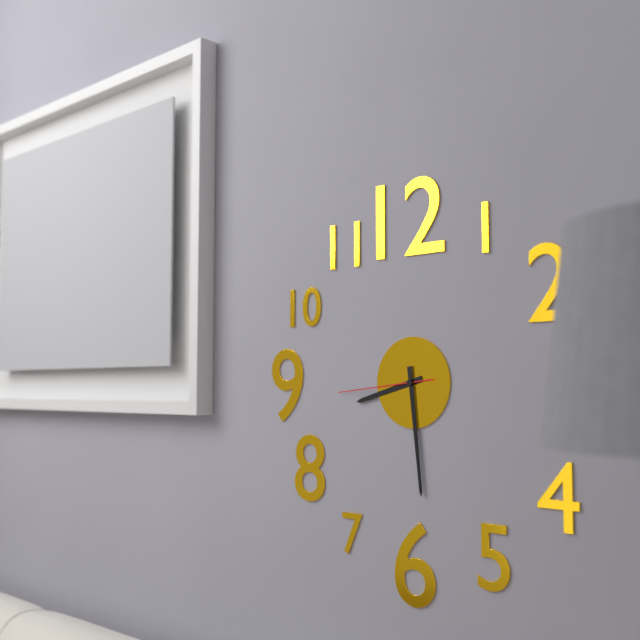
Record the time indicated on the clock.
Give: 8:29:44
